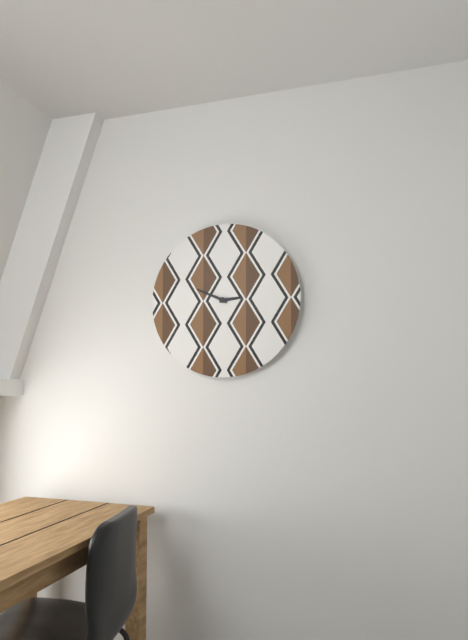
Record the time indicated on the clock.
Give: 2:49
